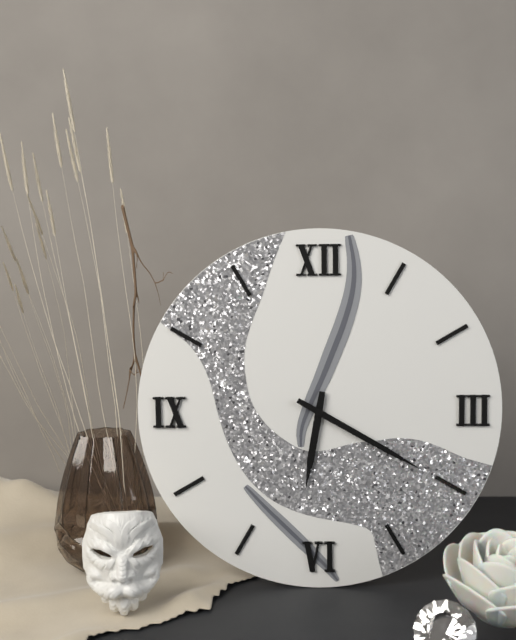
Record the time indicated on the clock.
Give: 6:20
